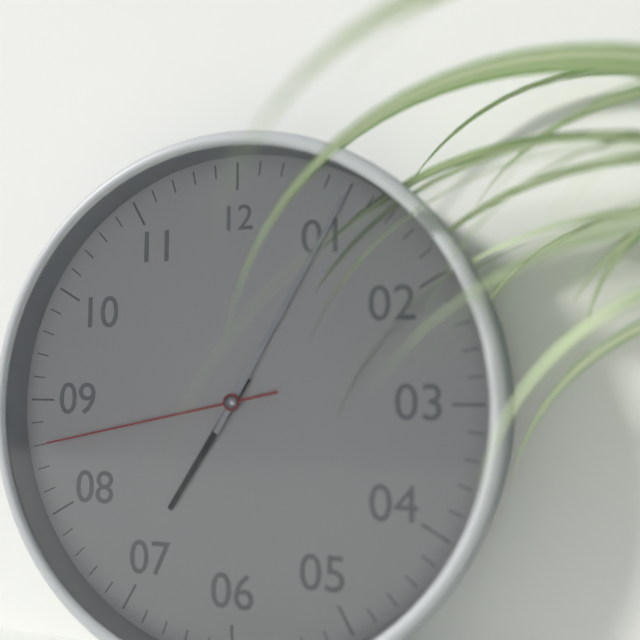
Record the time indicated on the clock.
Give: 7:05:43
